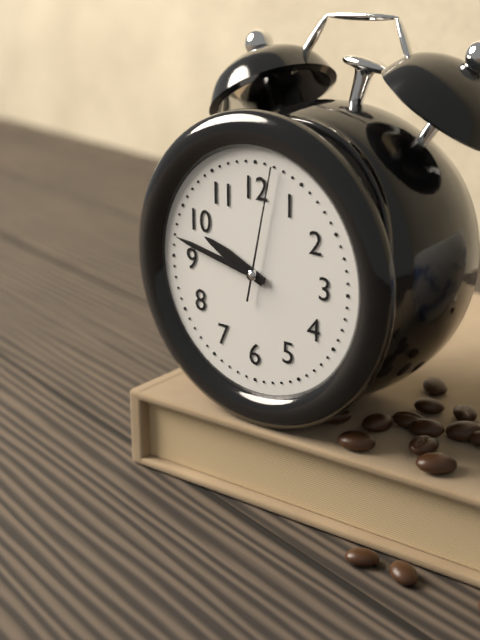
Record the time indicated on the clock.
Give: 9:47:02
